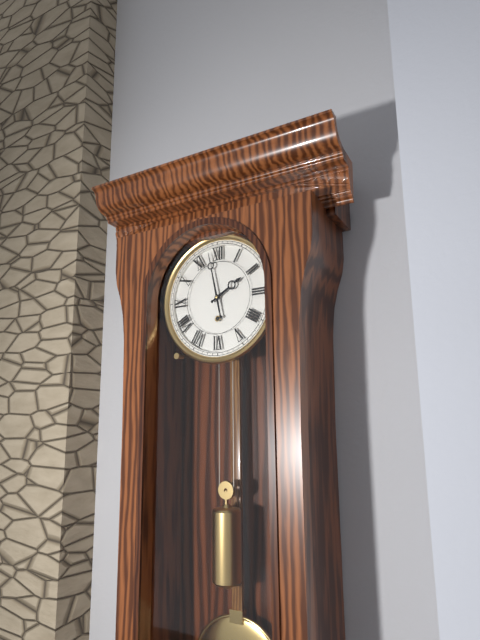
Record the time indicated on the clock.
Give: 1:58
